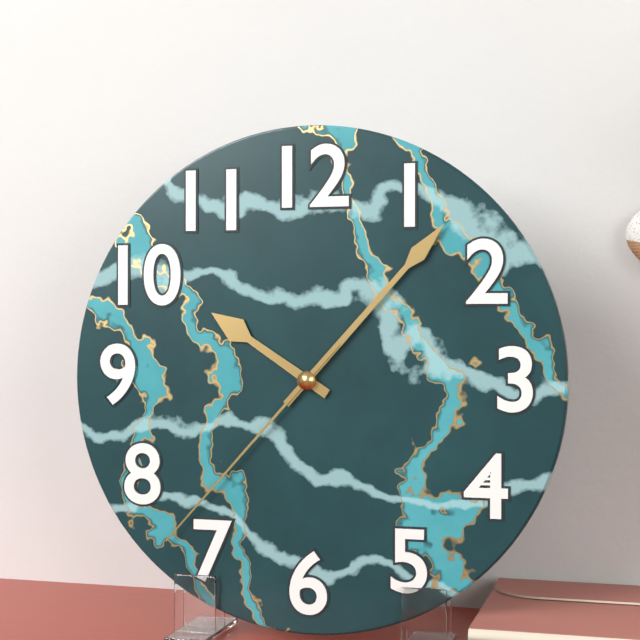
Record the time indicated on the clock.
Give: 10:07:37
